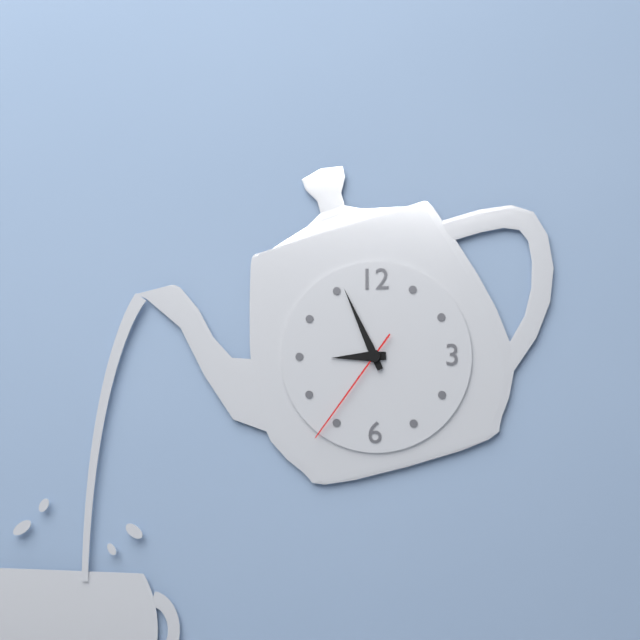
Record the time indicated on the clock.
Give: 8:56:36
